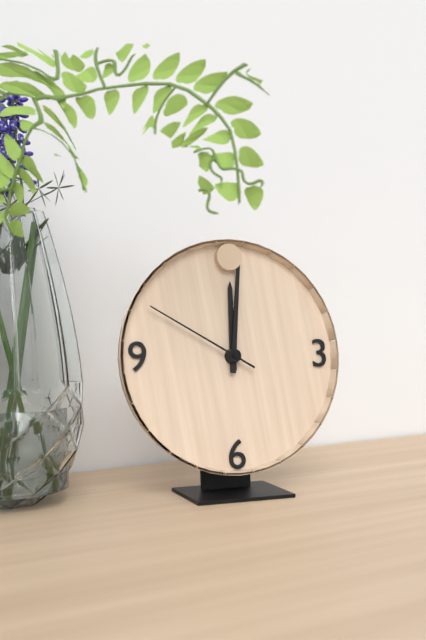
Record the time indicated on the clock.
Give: 12:01:50
